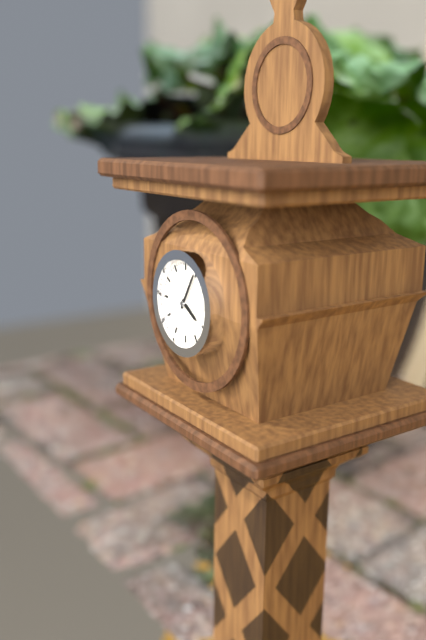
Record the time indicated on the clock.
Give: 4:05
